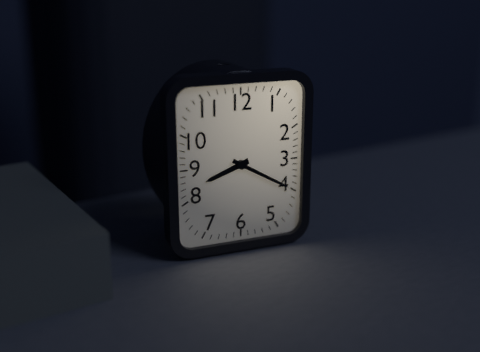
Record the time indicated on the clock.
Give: 8:20
